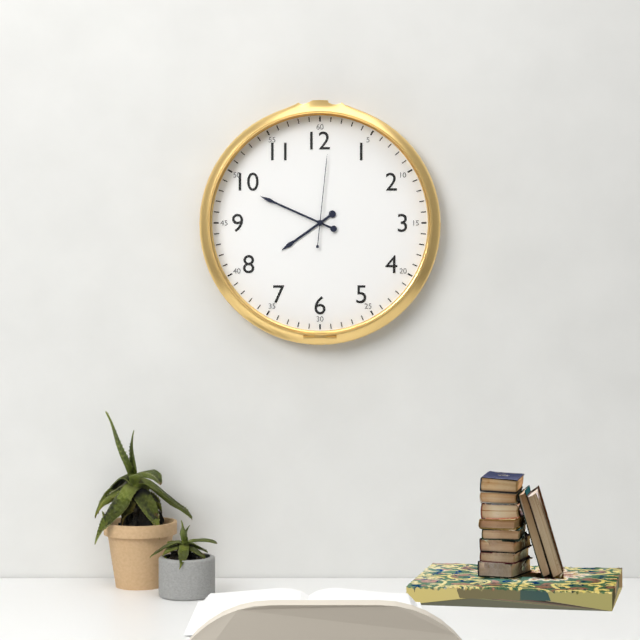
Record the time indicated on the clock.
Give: 7:49:01
